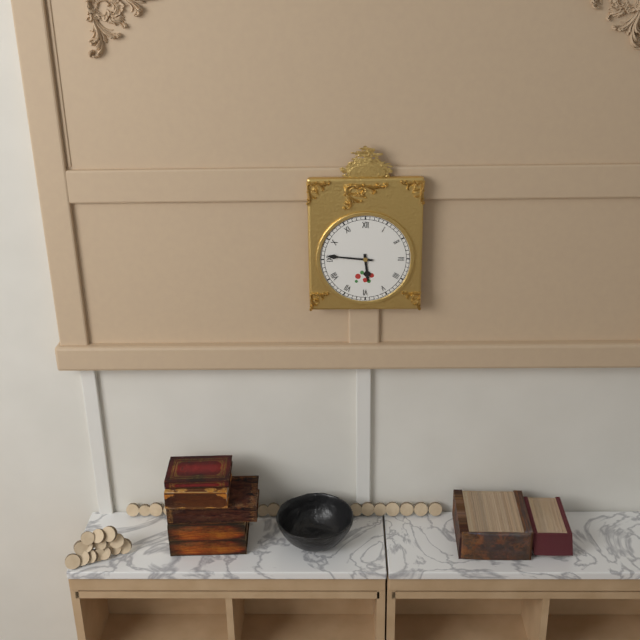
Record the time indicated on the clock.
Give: 5:46
